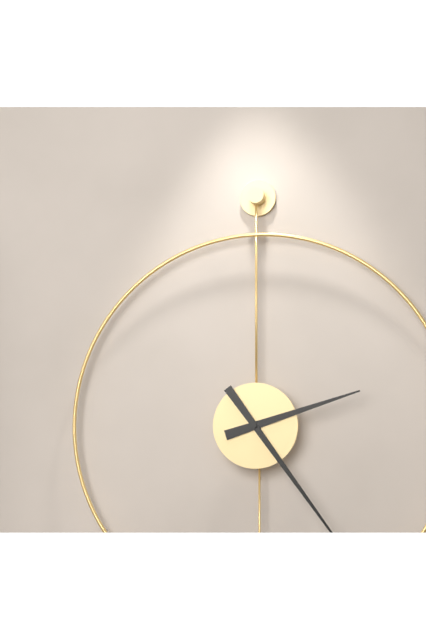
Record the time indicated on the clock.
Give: 2:24
